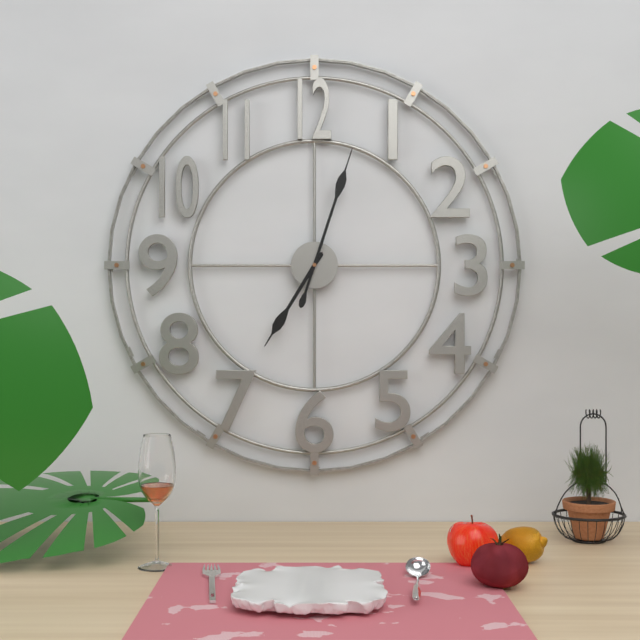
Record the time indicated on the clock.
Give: 7:03
